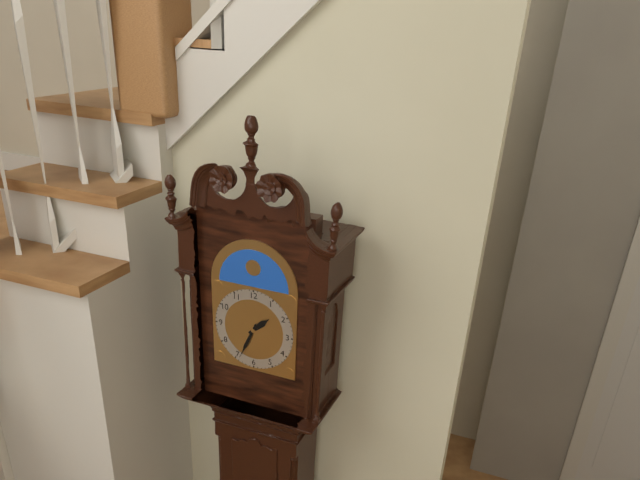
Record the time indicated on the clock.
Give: 1:34
